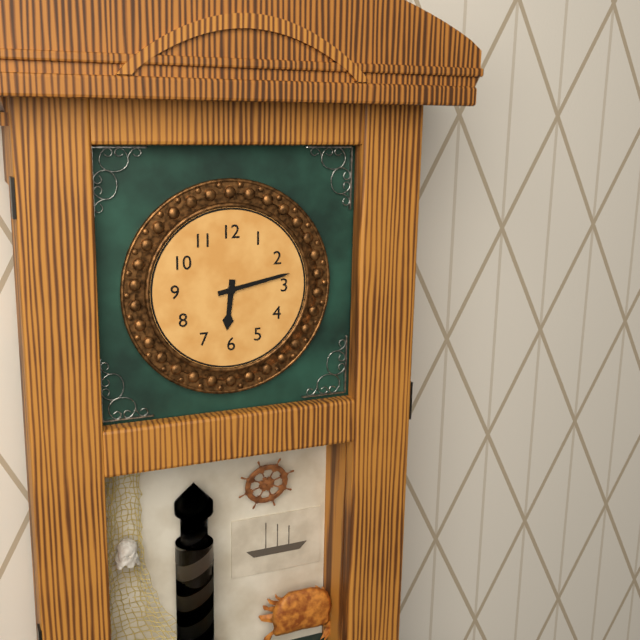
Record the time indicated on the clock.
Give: 6:13
